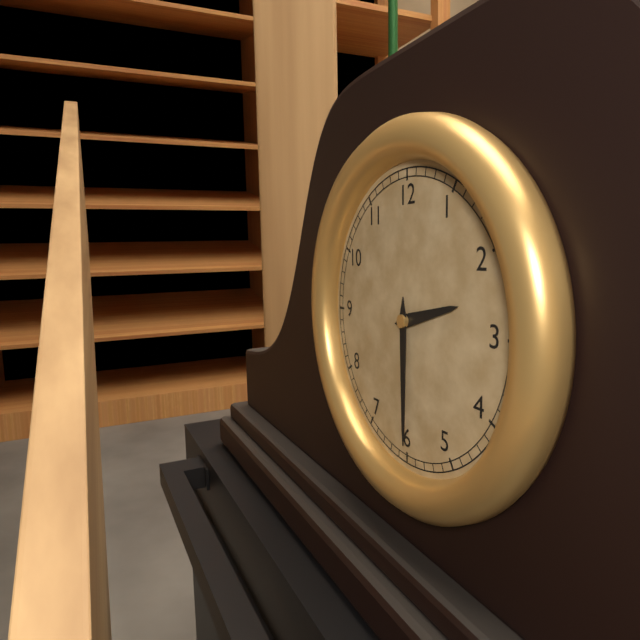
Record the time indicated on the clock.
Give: 2:30
